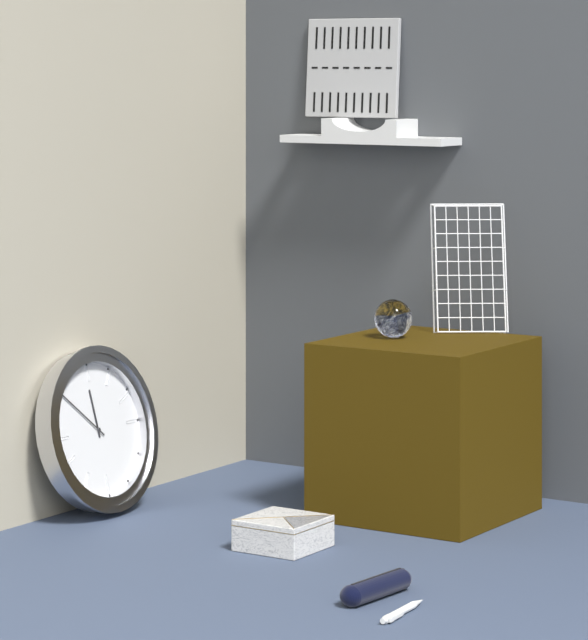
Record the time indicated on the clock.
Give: 11:52
